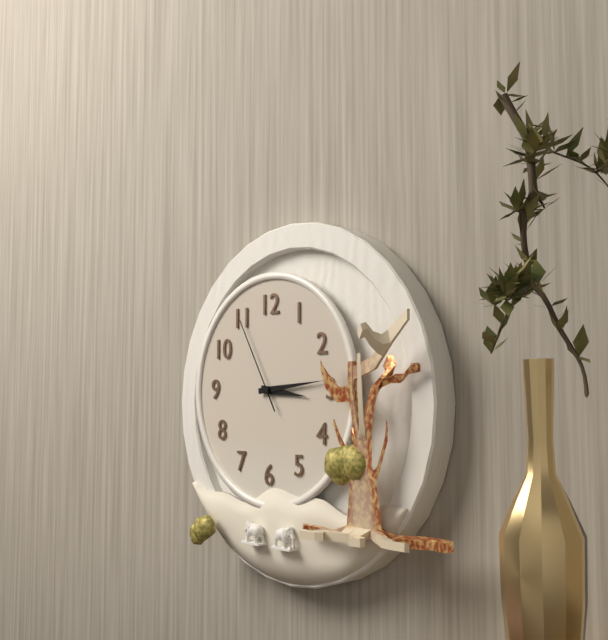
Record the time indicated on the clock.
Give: 3:14:55
